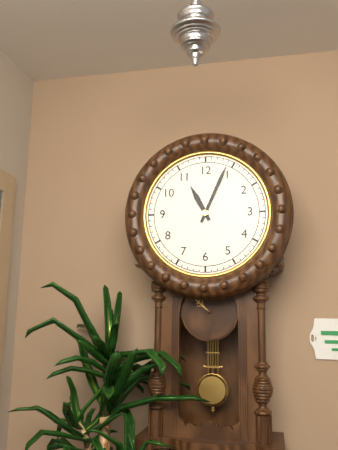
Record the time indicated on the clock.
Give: 11:04
